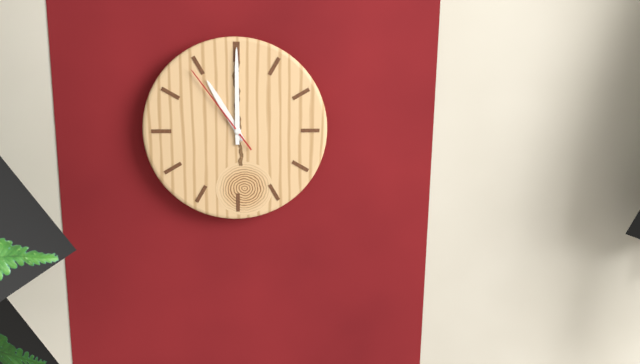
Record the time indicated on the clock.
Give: 11:00:54
